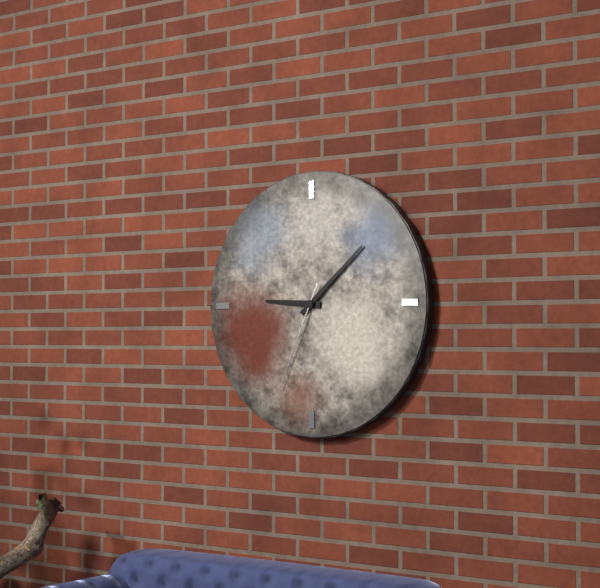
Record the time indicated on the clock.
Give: 9:08:34
